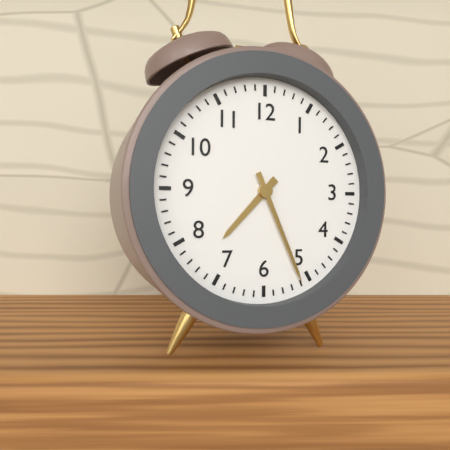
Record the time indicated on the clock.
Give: 7:26
